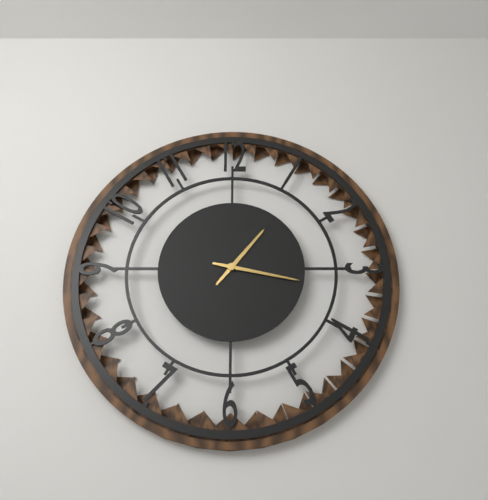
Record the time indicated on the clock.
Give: 1:17
